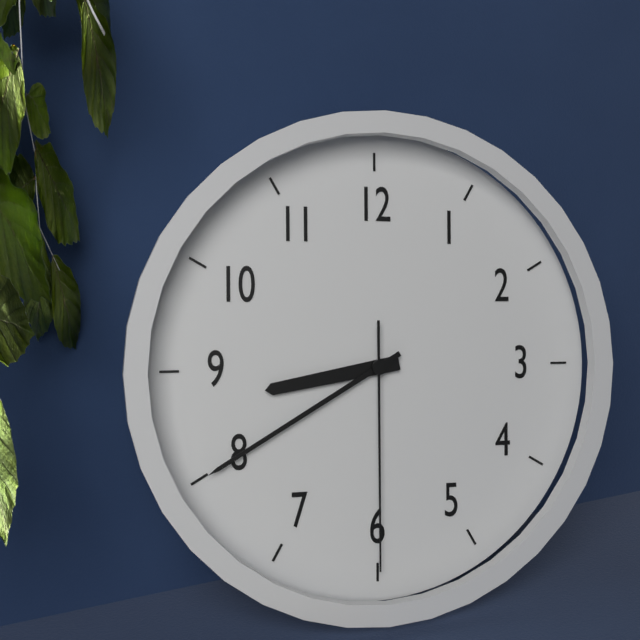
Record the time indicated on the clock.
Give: 8:40:30
